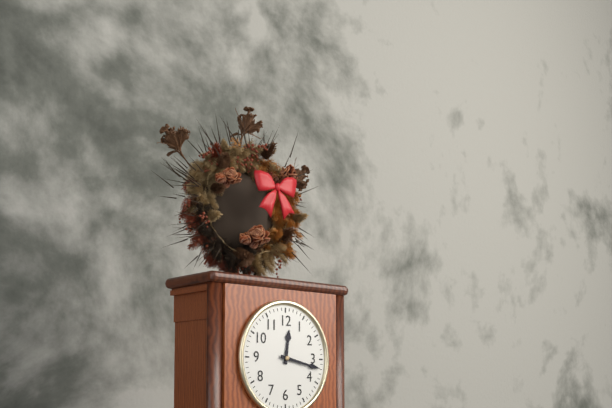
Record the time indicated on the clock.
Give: 12:17
